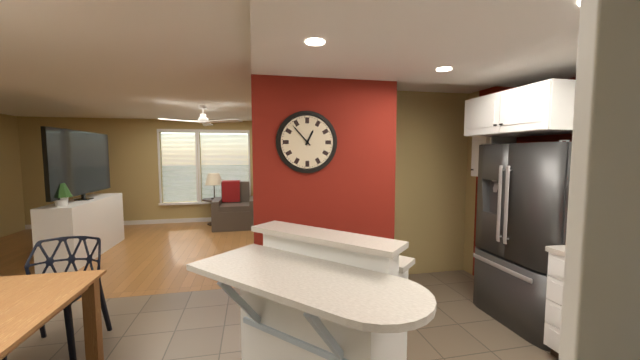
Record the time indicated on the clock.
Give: 12:53
